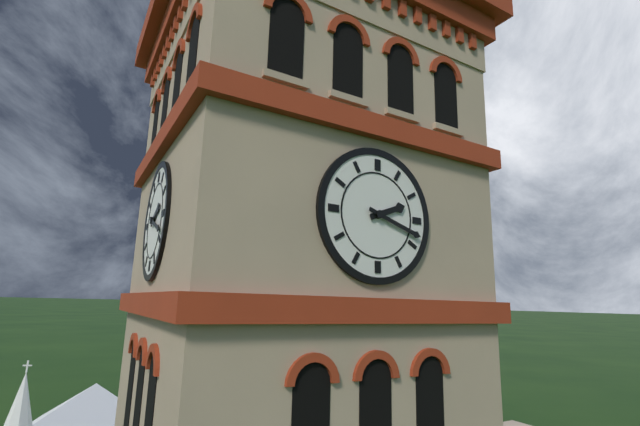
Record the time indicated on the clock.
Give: 2:18
